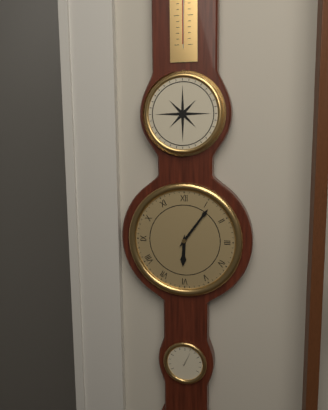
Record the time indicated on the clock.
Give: 6:06
